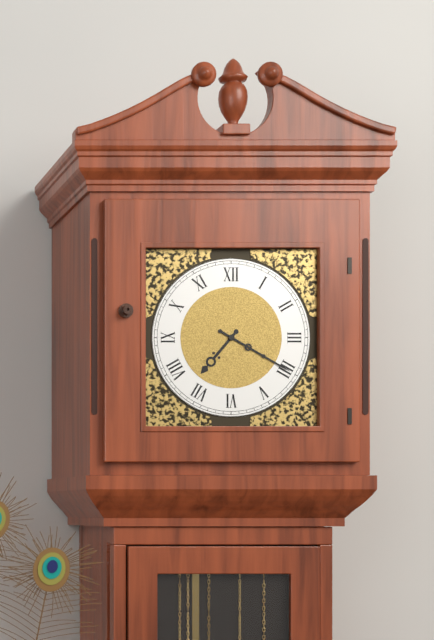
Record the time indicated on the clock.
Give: 7:20
